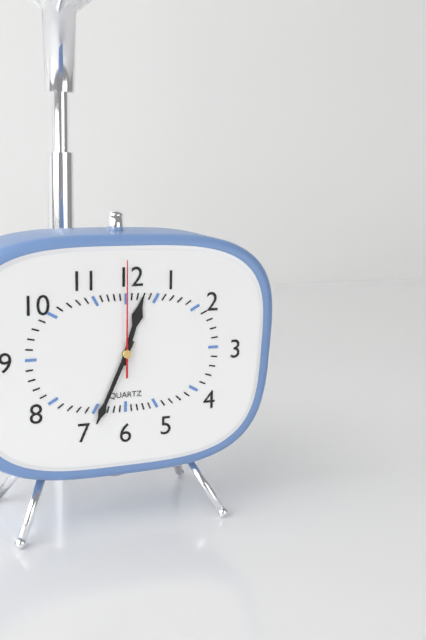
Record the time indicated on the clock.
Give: 12:34:00
